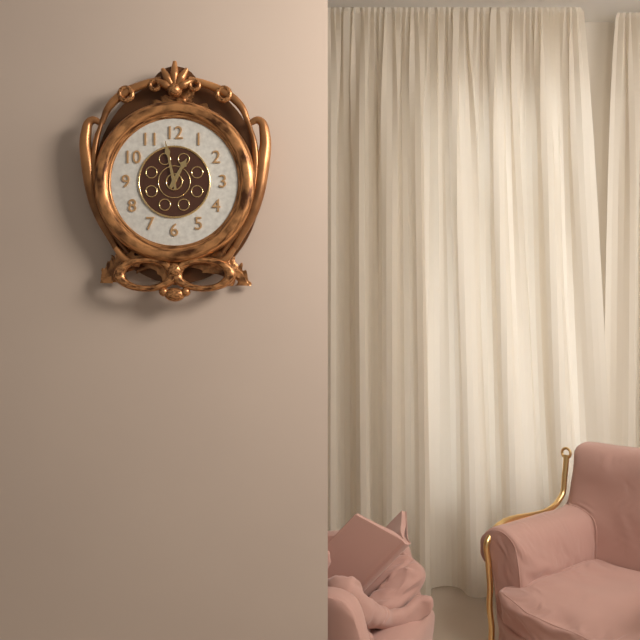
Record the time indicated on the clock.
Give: 12:58
